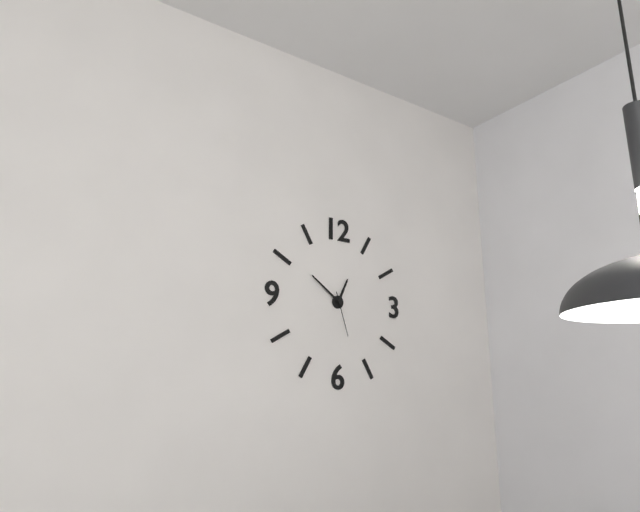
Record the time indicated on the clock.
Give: 12:51
